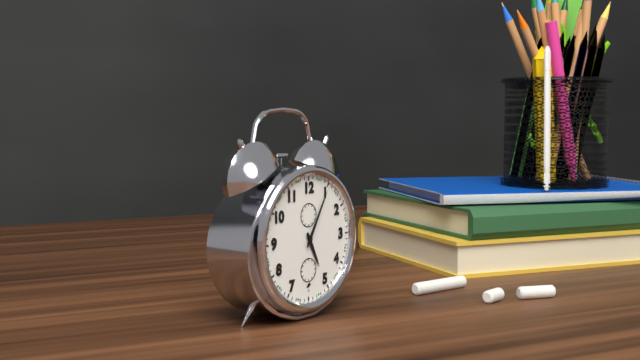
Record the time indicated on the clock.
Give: 5:05
